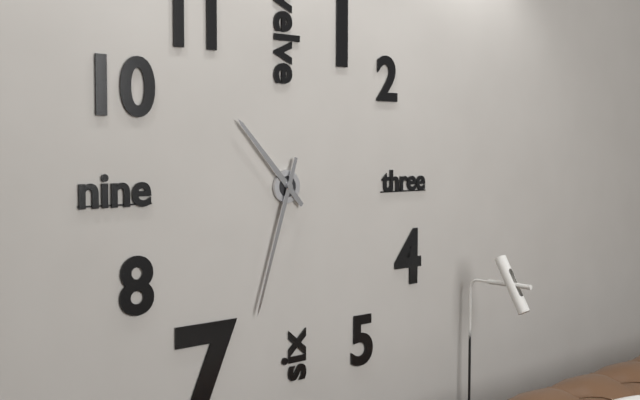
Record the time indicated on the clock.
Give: 10:33
